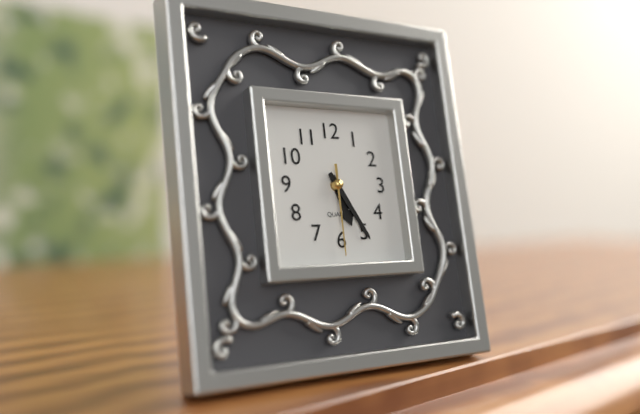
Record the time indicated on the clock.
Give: 5:25:30
